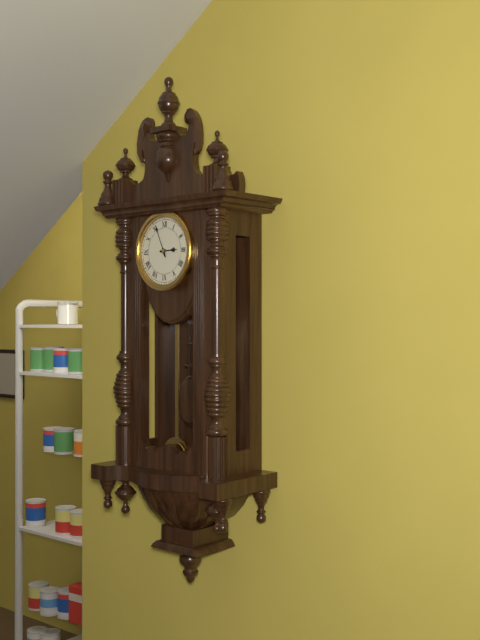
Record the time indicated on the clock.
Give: 2:56
